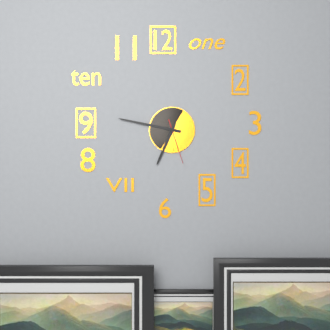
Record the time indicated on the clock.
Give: 6:47
